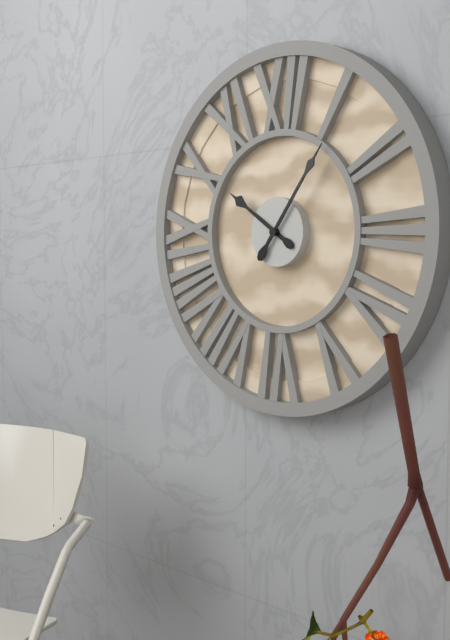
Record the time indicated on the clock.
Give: 10:06
